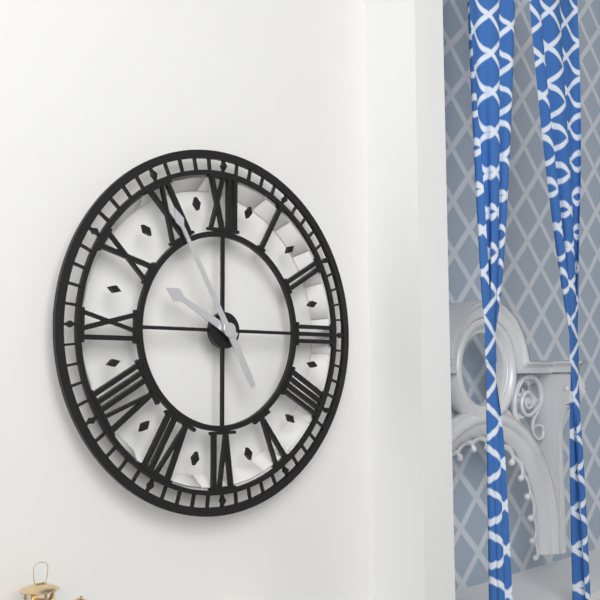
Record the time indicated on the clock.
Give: 9:55
